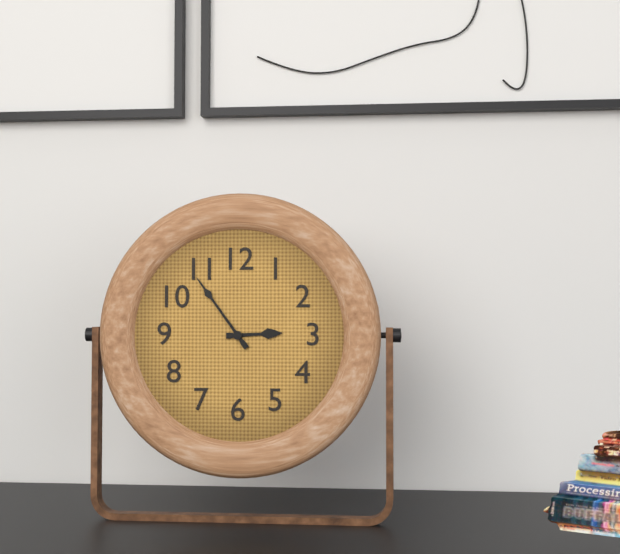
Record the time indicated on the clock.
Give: 2:54
